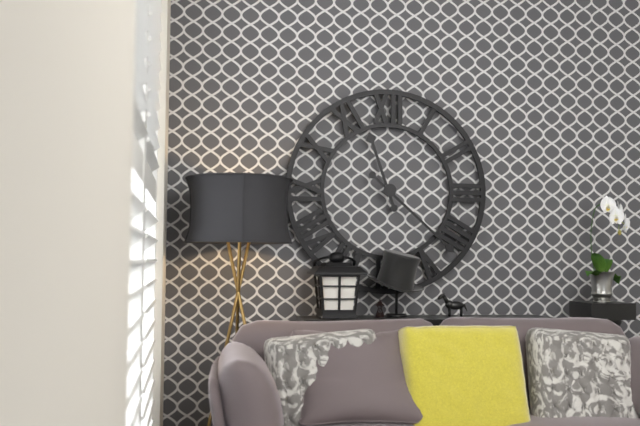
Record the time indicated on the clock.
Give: 11:22
